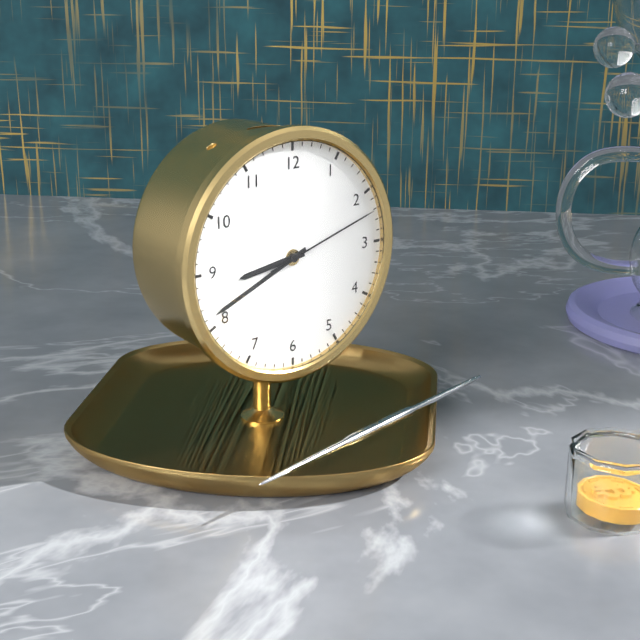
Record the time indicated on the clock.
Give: 8:41:12
